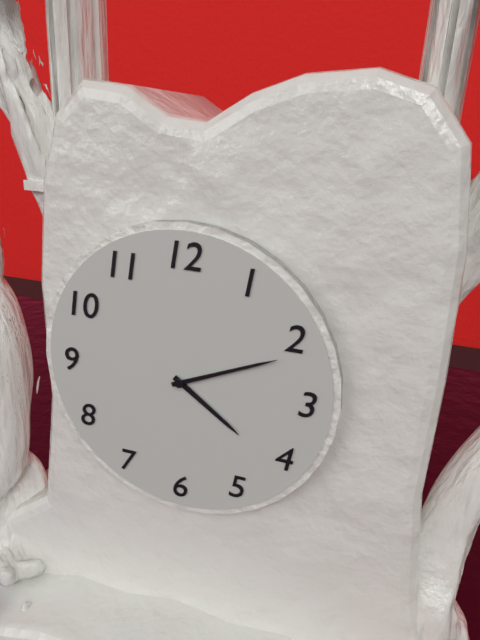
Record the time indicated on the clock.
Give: 4:11
